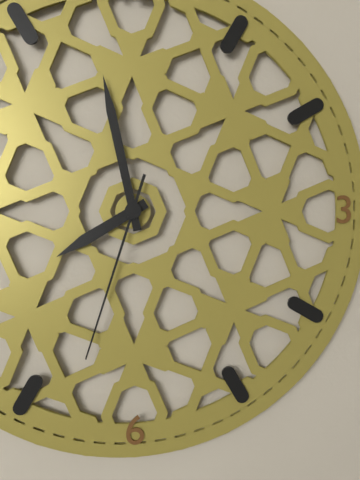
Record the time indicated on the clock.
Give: 7:58:33
